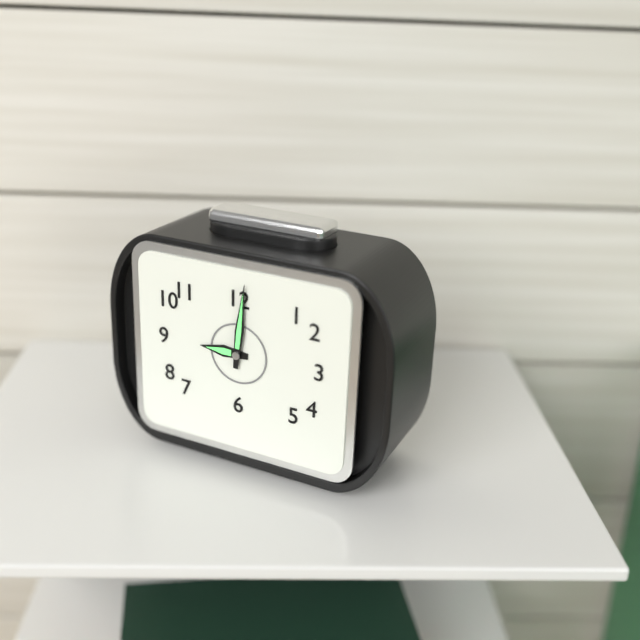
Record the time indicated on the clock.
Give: 9:01
